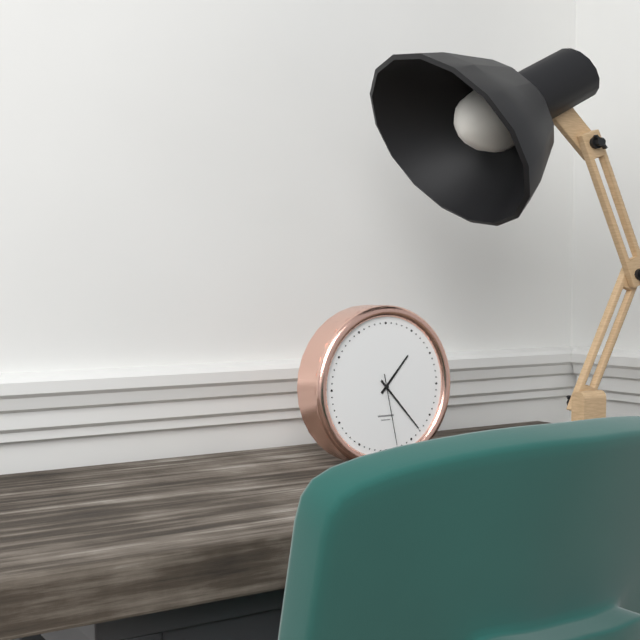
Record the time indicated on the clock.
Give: 1:23:28
